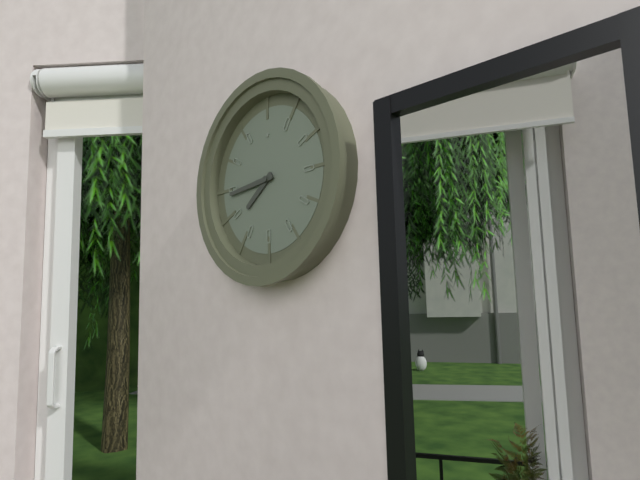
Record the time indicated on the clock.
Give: 7:44
